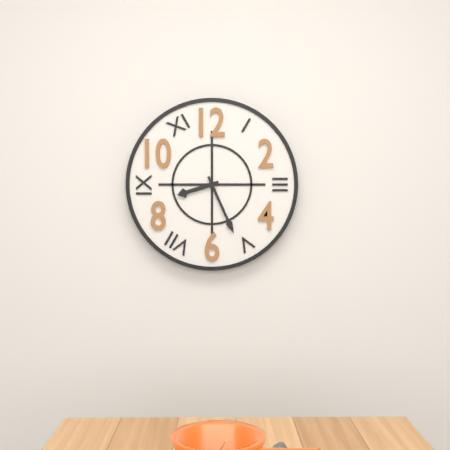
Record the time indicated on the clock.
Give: 8:26
